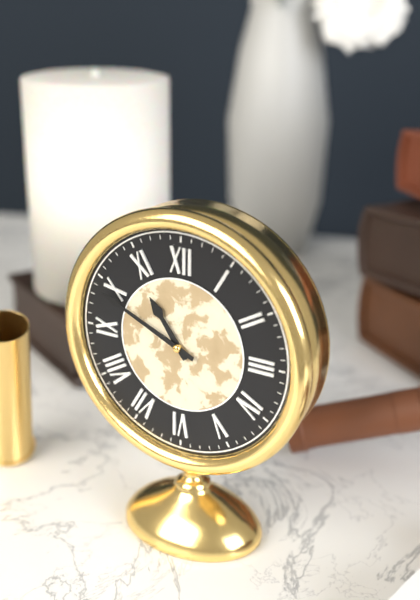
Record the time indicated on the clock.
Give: 10:49
